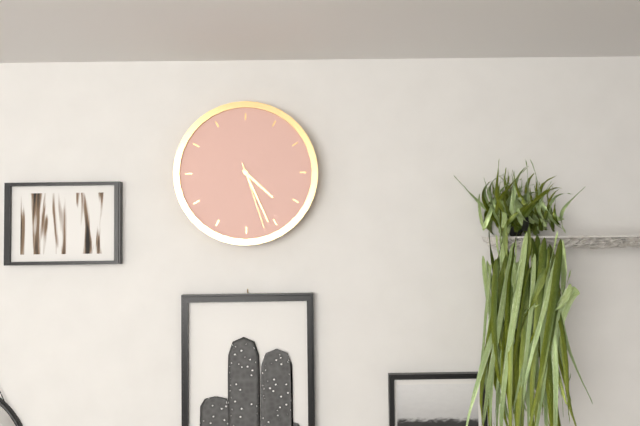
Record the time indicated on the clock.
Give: 4:26:27
